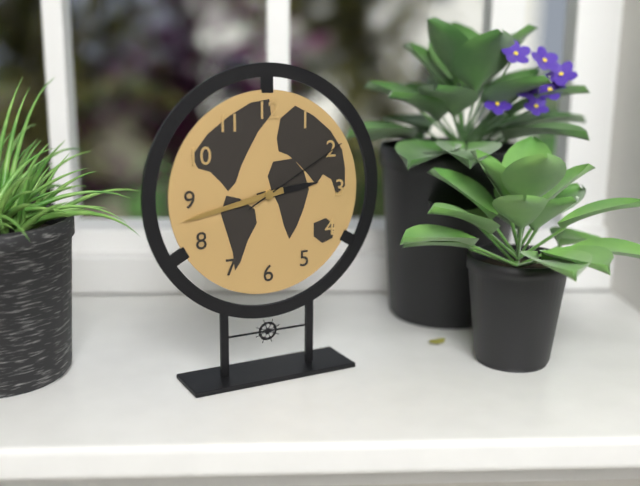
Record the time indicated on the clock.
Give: 2:43:10
